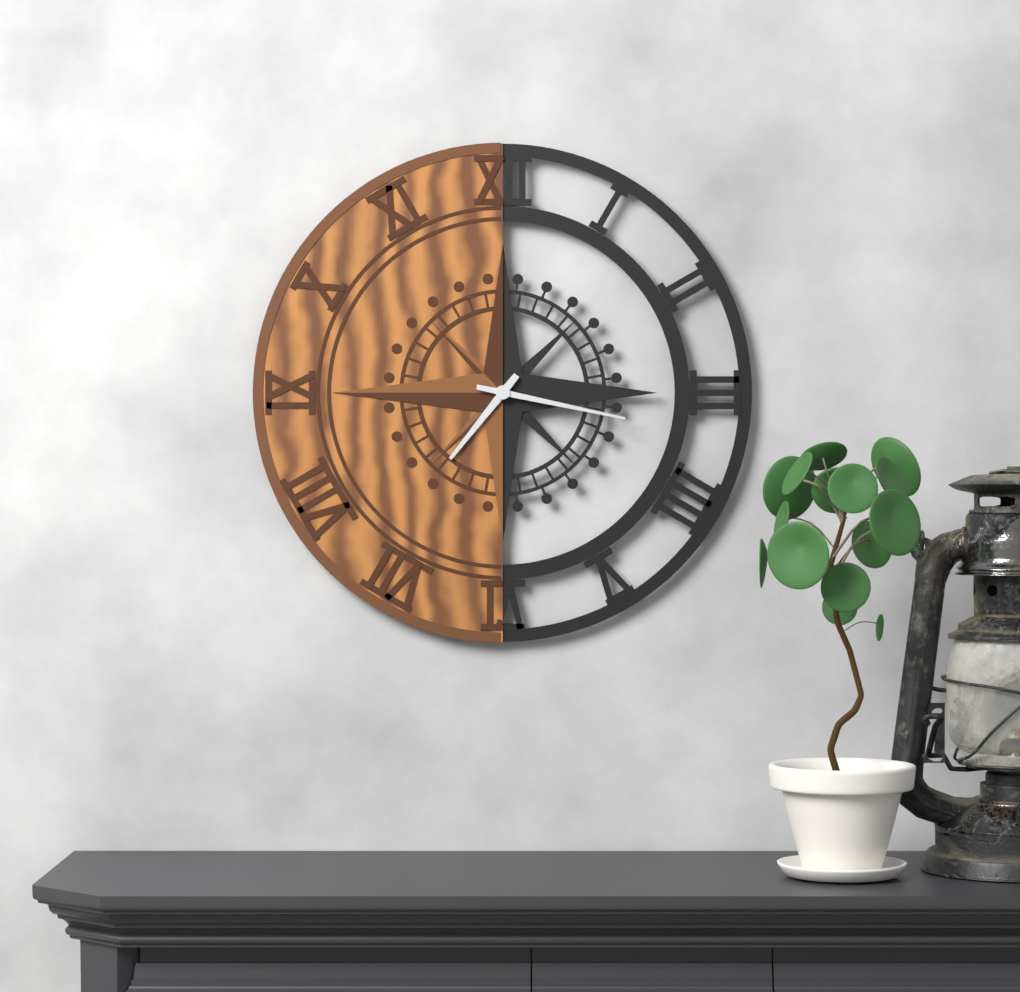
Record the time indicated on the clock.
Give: 7:17
